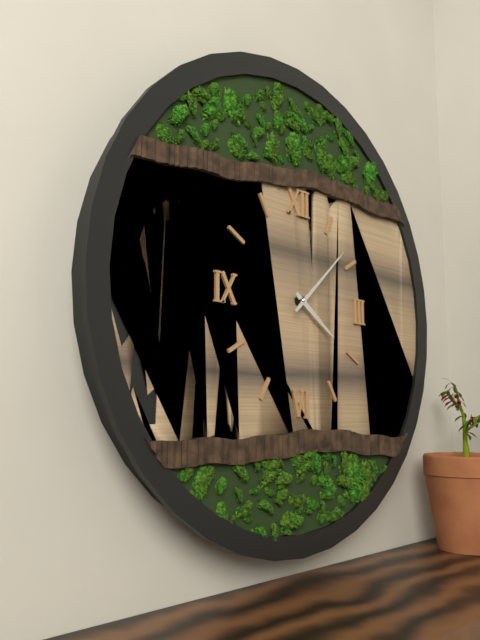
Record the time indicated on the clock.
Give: 4:08
